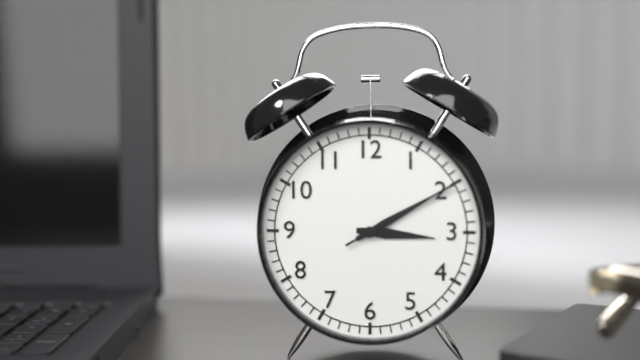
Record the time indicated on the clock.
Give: 3:10:10
